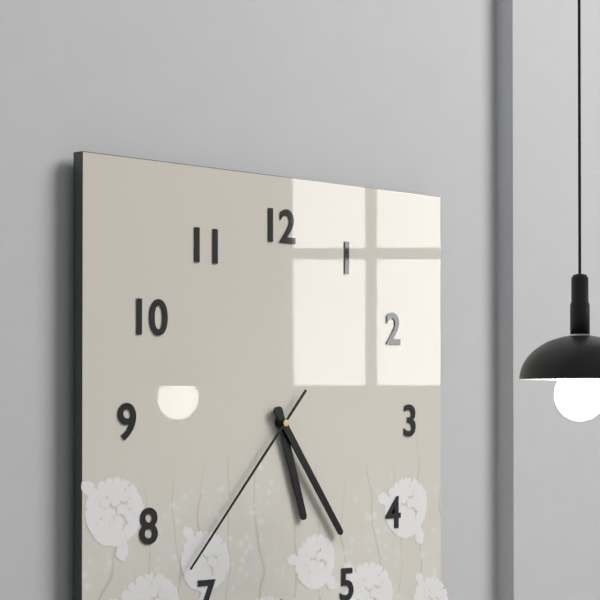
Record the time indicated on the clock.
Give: 5:24:37
